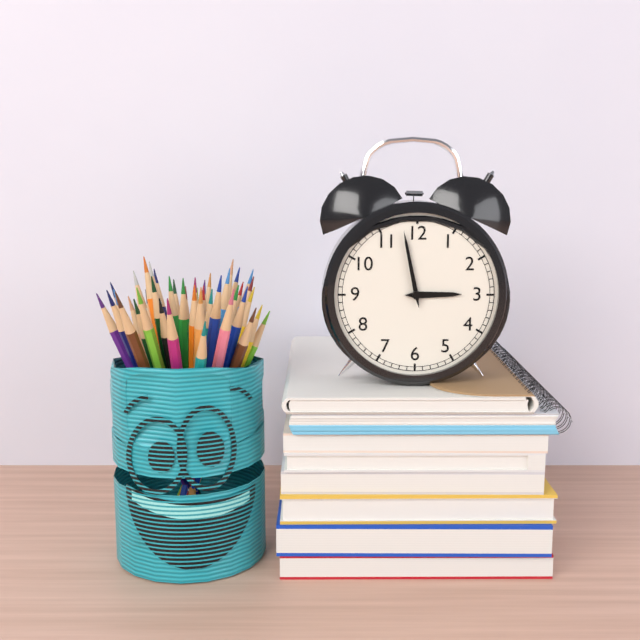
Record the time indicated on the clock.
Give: 2:58
